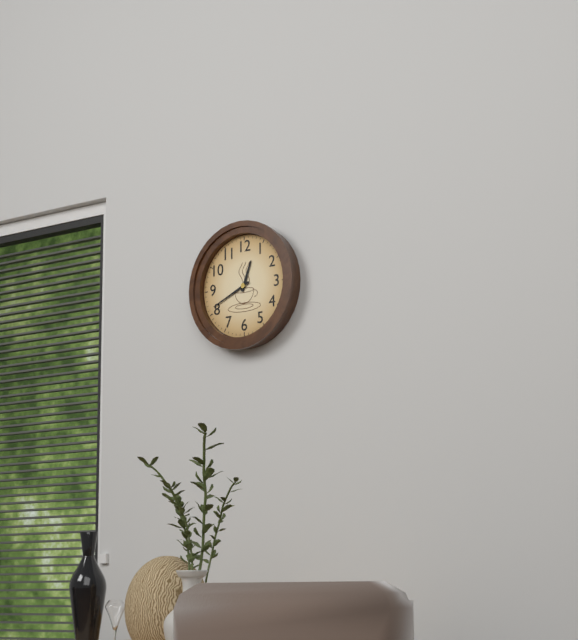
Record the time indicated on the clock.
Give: 12:41
